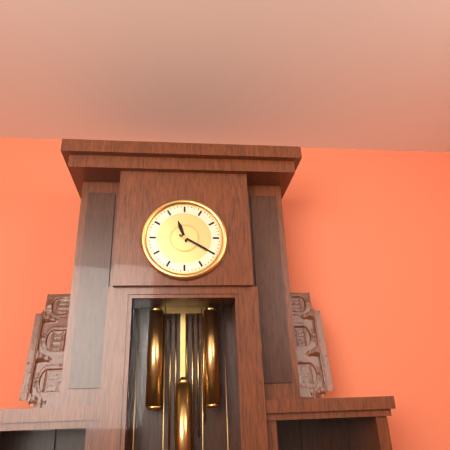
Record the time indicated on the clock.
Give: 11:20
